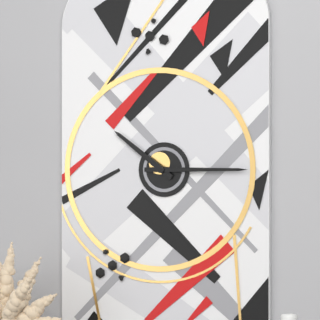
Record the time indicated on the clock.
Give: 10:15
